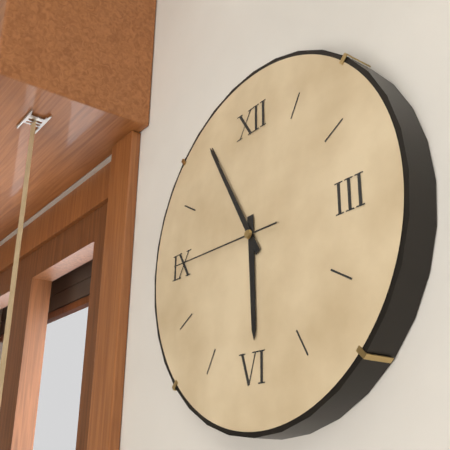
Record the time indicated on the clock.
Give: 5:55:45
